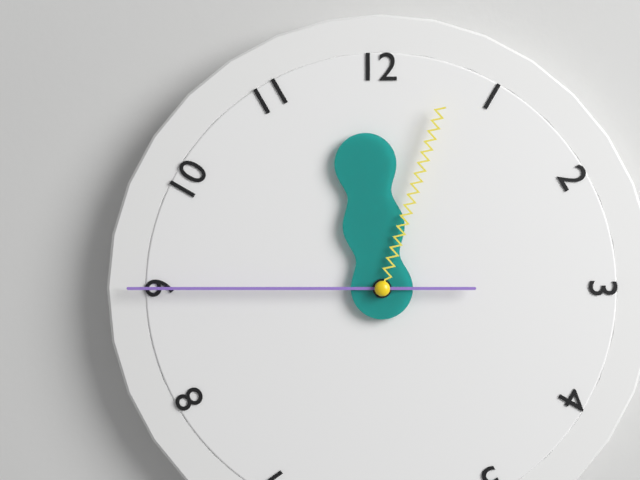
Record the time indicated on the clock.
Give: 11:45:03
